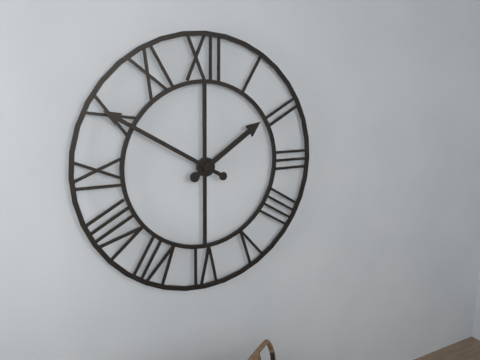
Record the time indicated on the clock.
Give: 1:50
